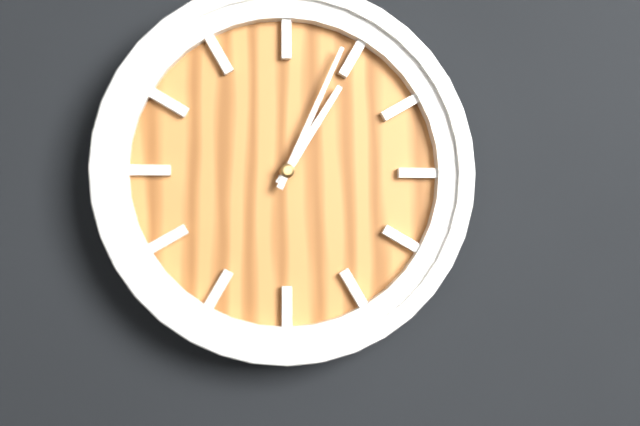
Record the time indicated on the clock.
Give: 1:04
